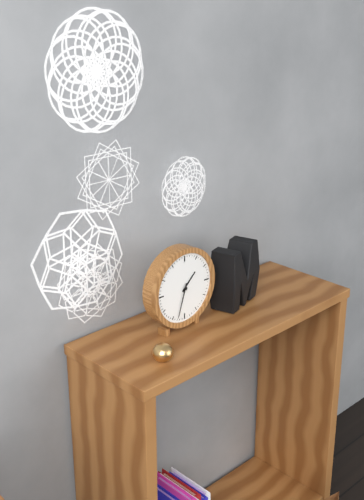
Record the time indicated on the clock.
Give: 1:33
